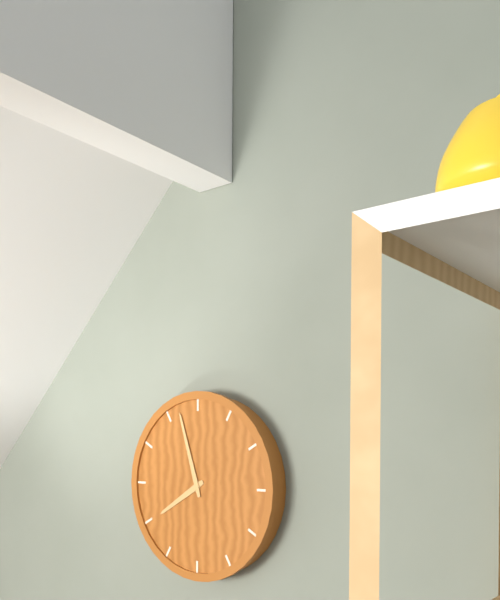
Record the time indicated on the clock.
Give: 7:57
